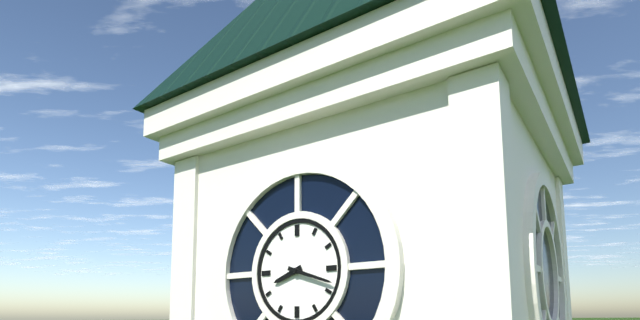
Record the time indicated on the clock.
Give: 8:18
